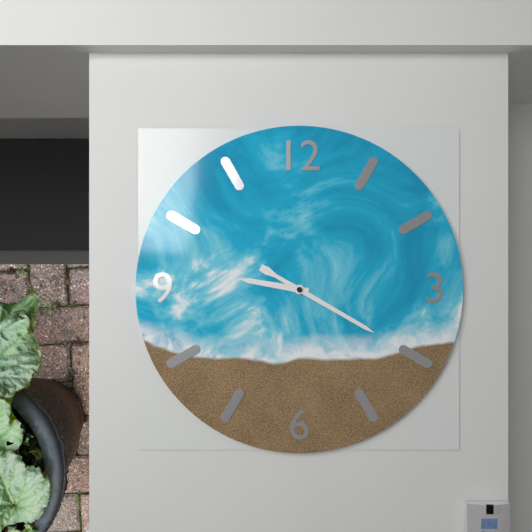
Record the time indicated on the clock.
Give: 9:20
